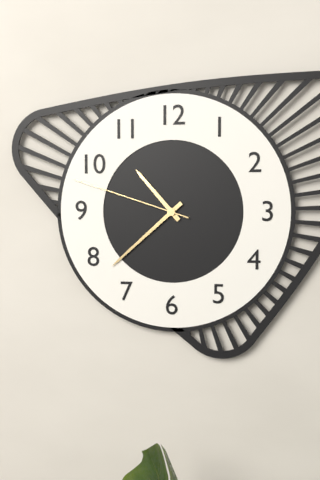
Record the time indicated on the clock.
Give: 10:38:48
